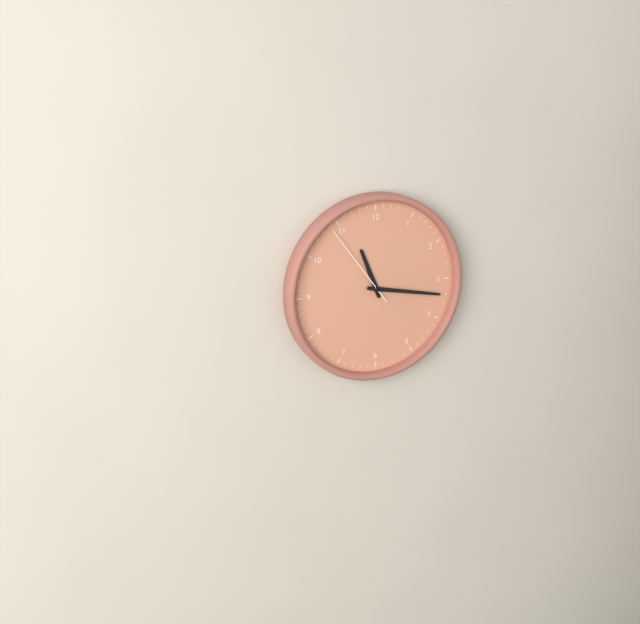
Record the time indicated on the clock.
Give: 11:17:54
